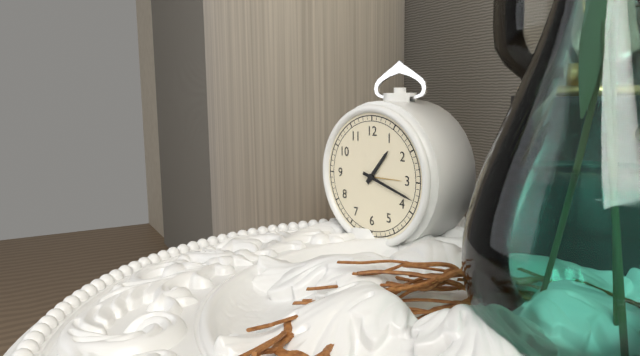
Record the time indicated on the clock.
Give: 1:18
